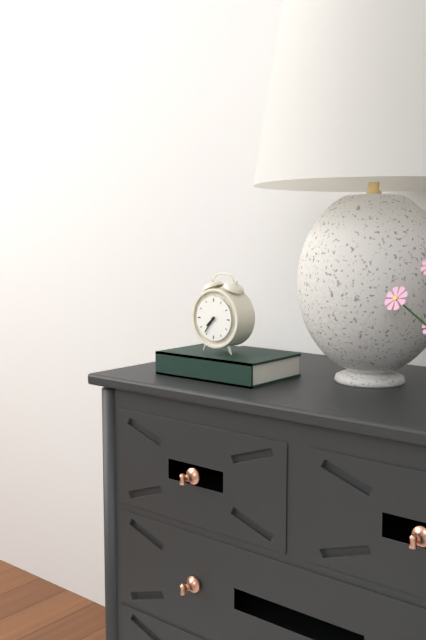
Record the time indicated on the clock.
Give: 7:36
